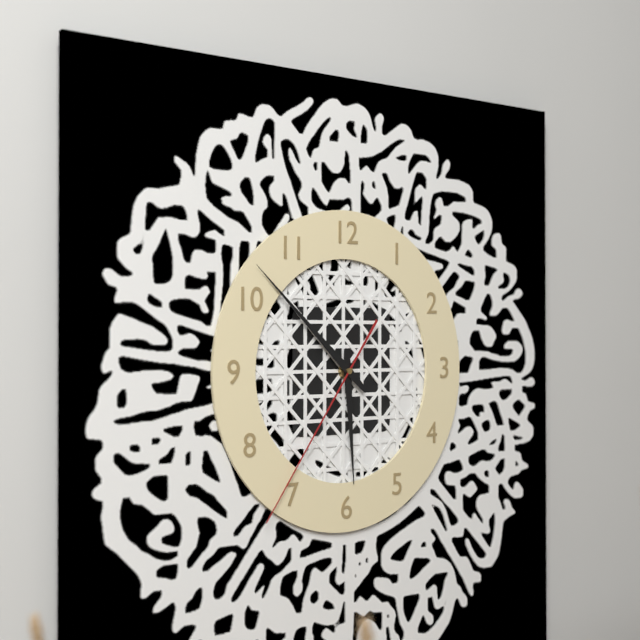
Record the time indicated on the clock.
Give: 5:52:36
